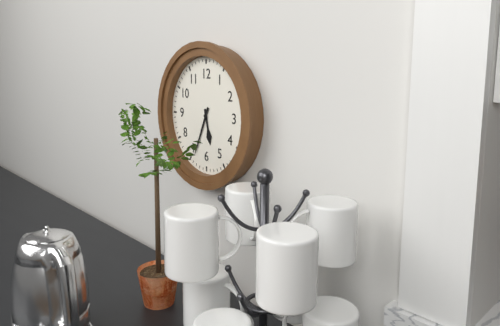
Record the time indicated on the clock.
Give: 5:34
